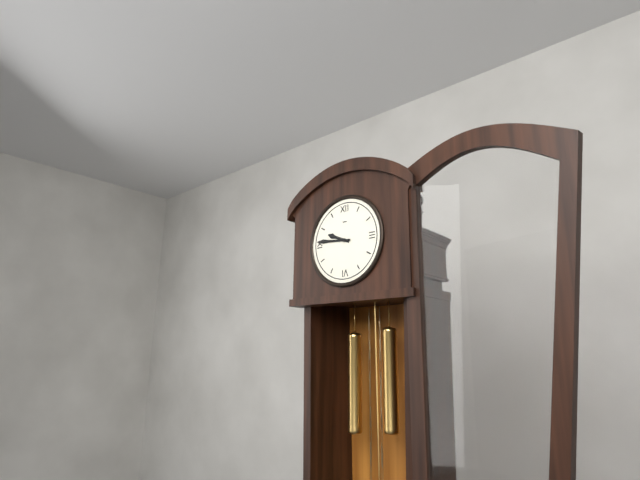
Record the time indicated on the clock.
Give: 9:46
